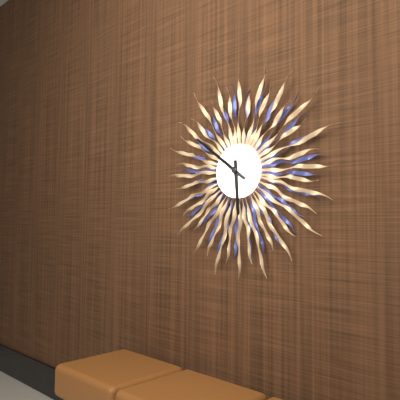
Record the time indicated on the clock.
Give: 5:51
